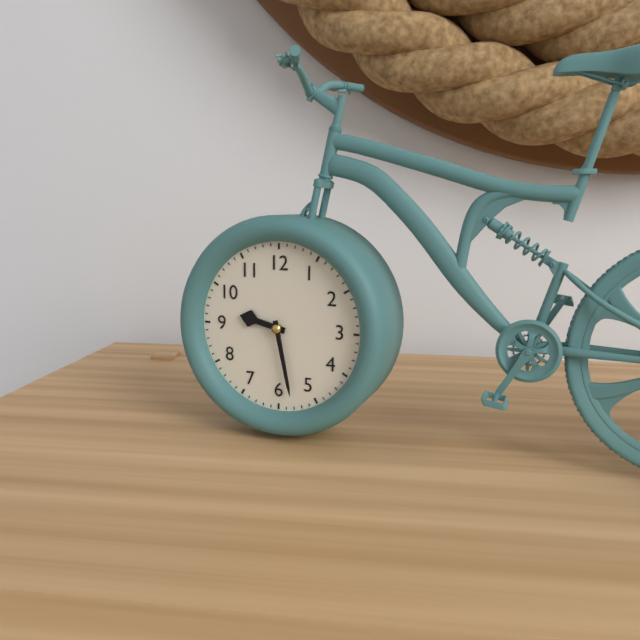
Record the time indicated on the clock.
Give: 9:28
